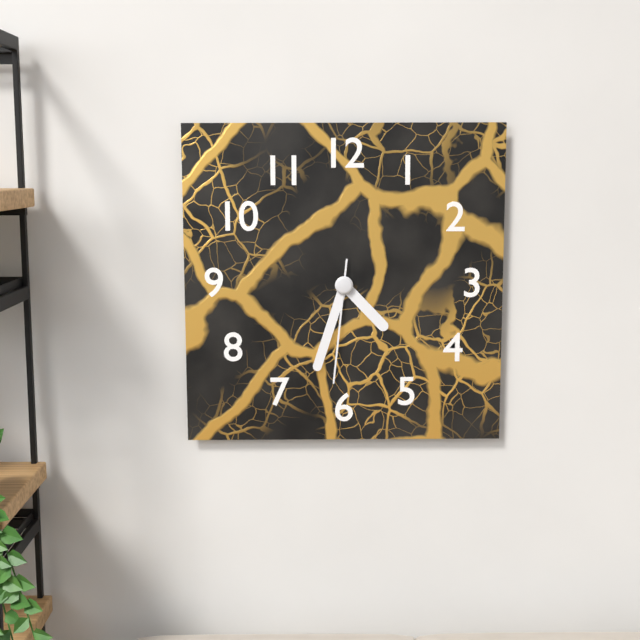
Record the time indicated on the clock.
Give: 4:33:31
